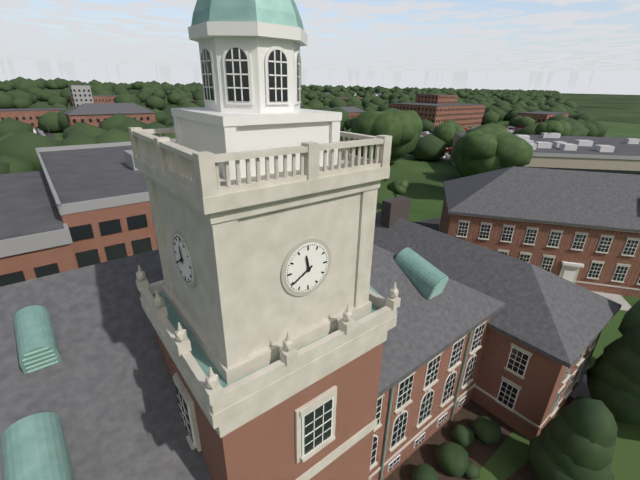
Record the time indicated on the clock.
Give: 11:40
